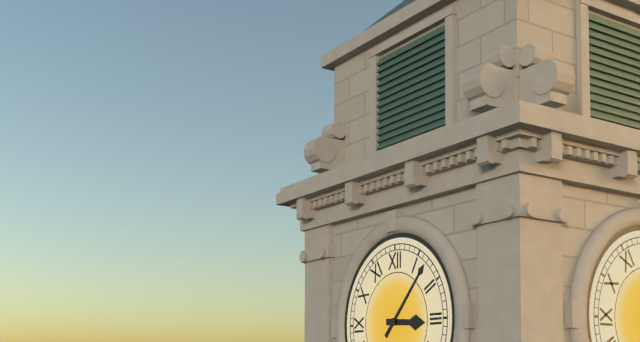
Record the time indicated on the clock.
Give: 3:07
